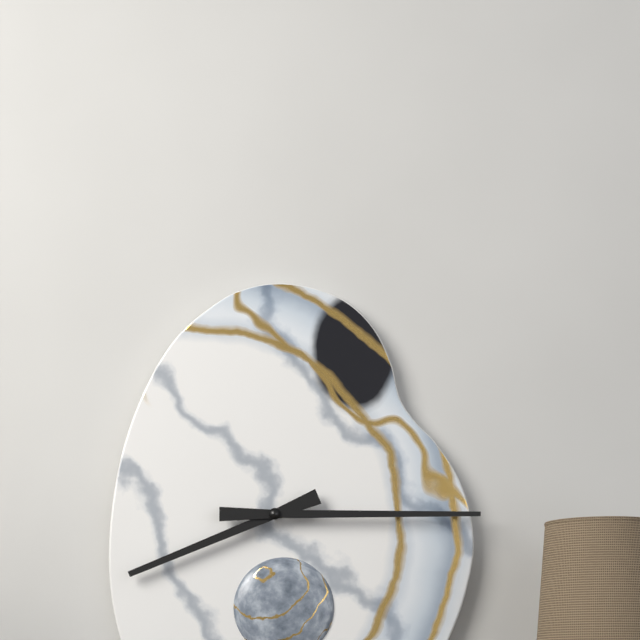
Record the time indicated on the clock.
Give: 8:15
